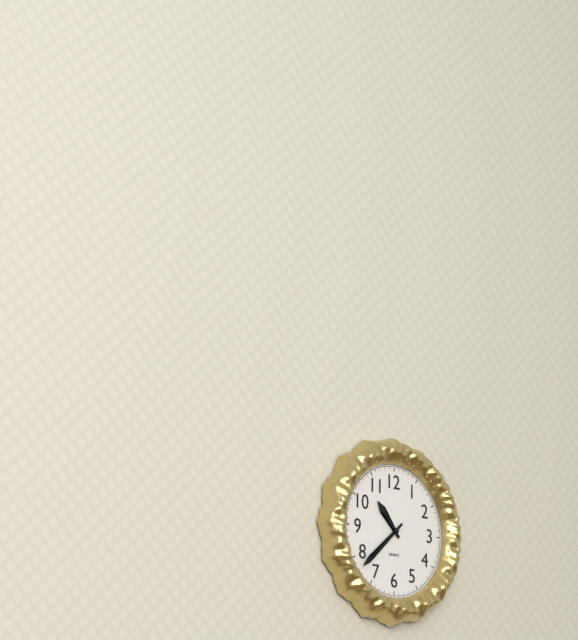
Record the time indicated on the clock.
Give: 10:38
